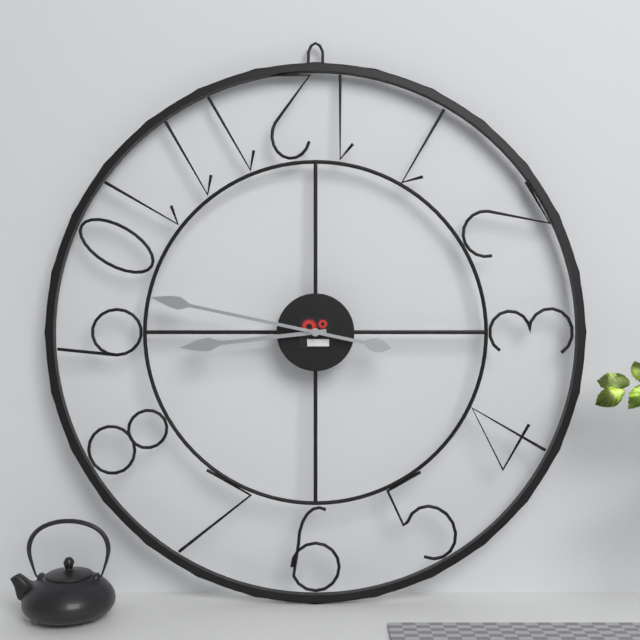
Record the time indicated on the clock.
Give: 8:47
